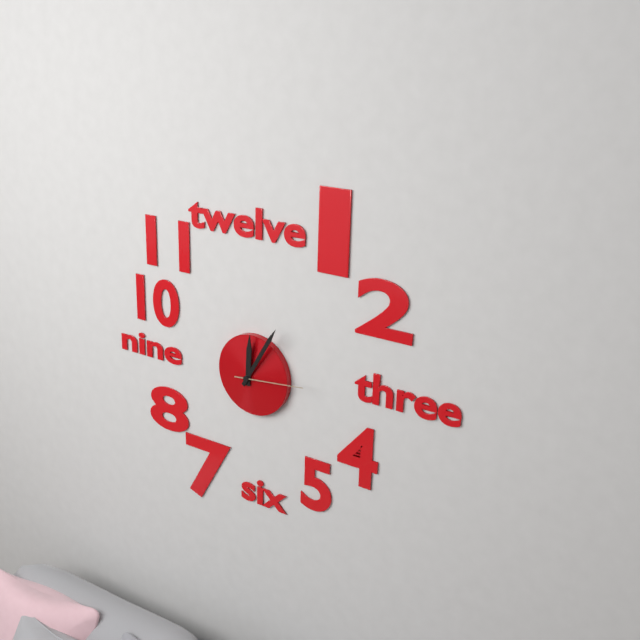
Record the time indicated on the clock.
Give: 12:05:14
